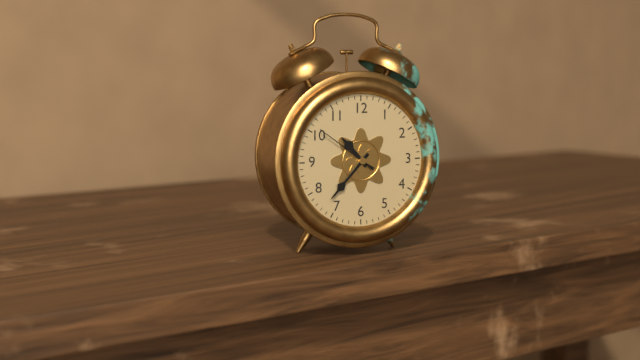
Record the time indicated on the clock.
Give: 10:37:51
